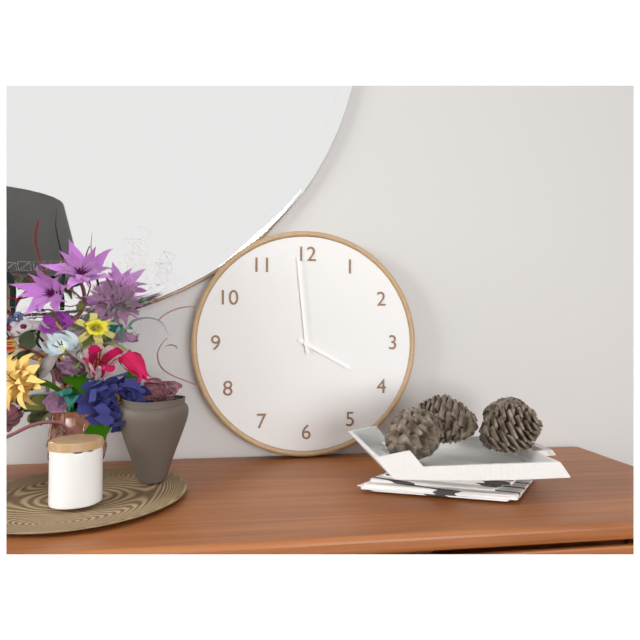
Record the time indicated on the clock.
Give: 3:59
